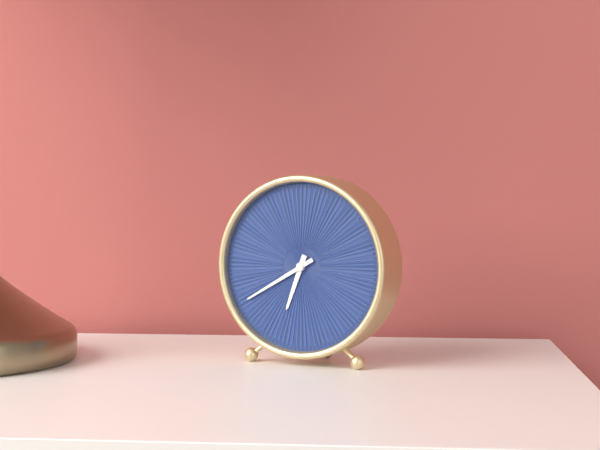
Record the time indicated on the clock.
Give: 6:40
